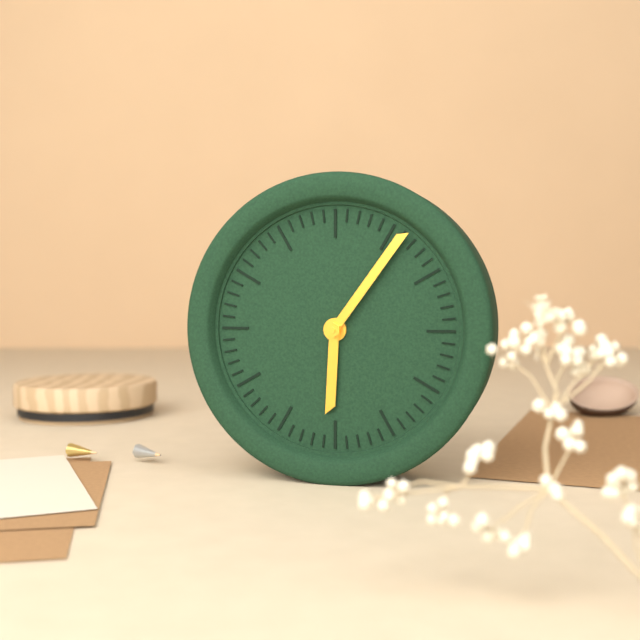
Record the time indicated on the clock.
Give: 6:06
